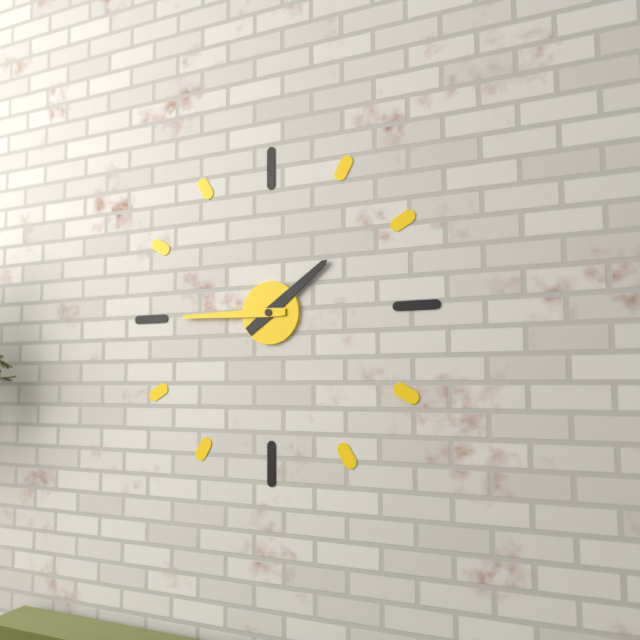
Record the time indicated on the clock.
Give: 1:45
